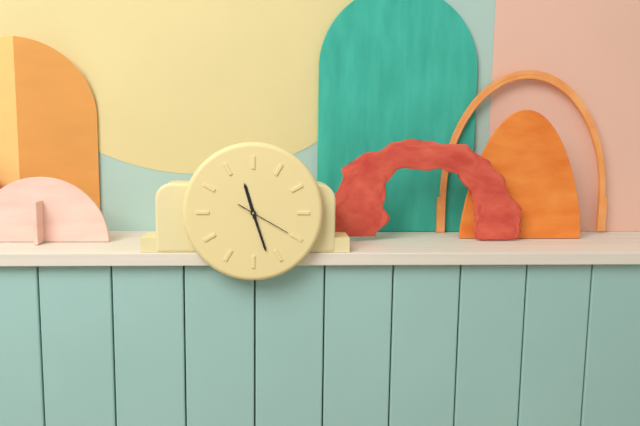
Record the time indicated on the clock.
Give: 11:27
